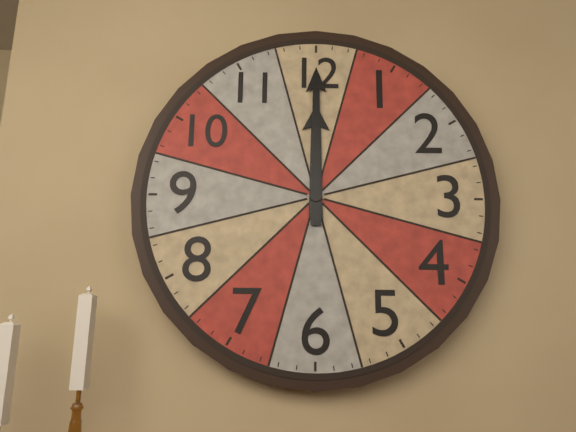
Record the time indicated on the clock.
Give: 12:00
